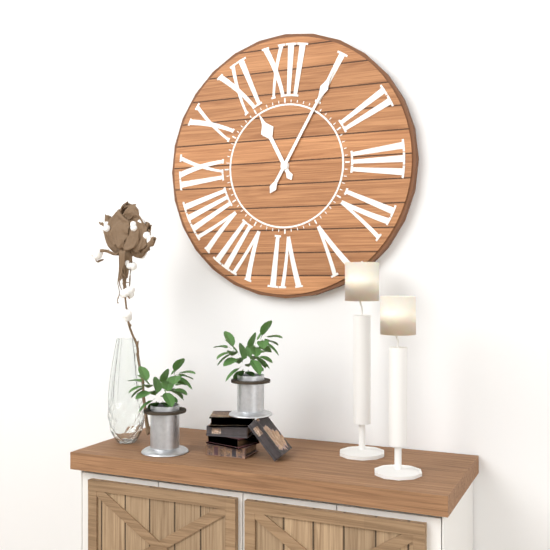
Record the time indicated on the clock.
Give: 11:05
